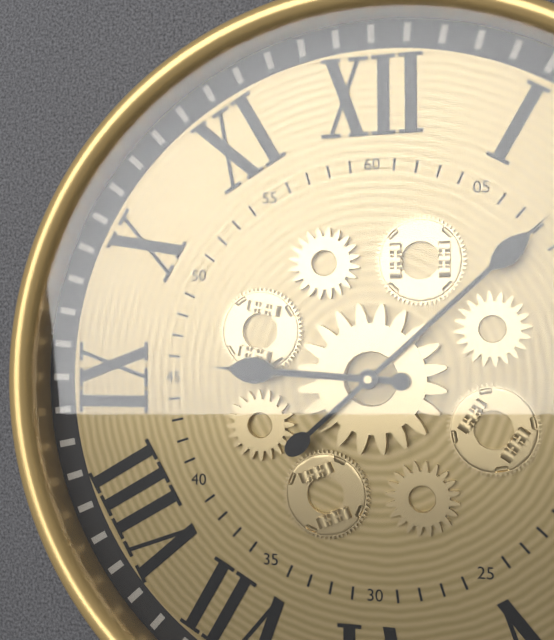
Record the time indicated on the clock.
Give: 9:08
